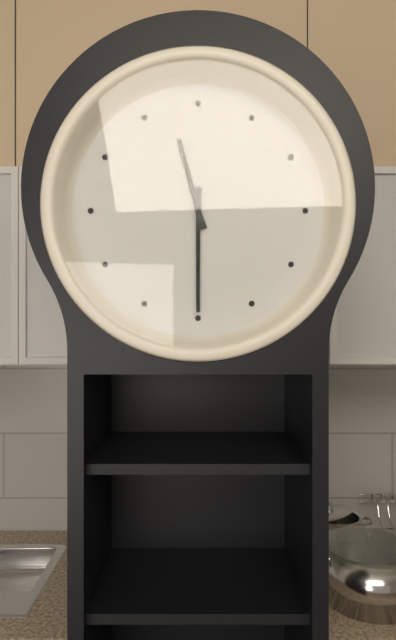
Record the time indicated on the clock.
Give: 11:30
